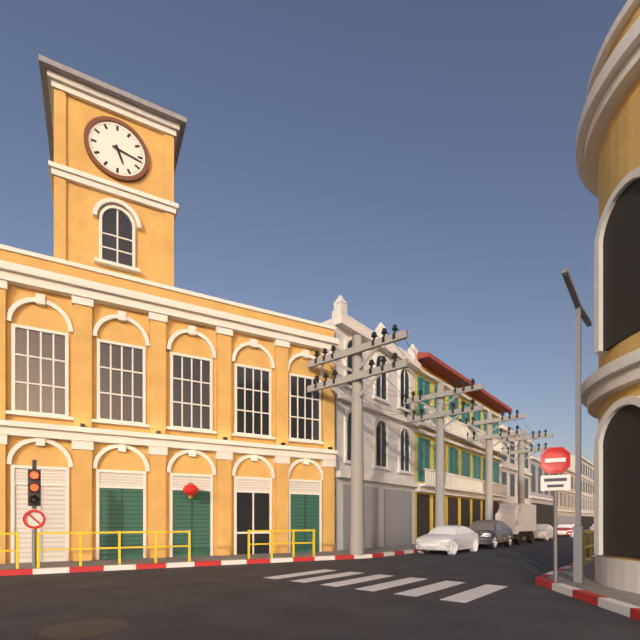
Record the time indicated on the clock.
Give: 5:17
